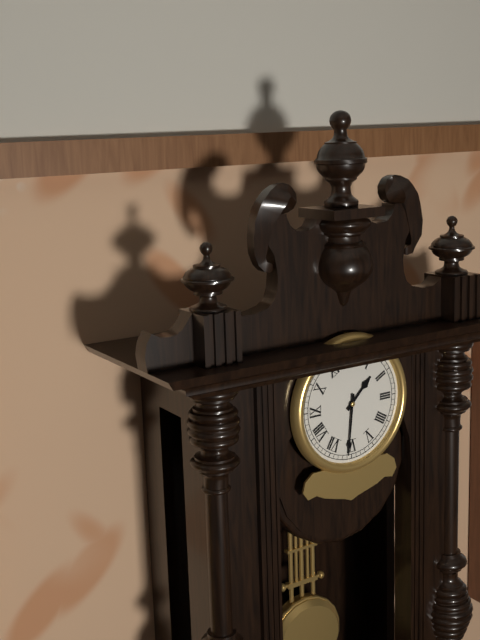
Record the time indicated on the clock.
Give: 1:31
